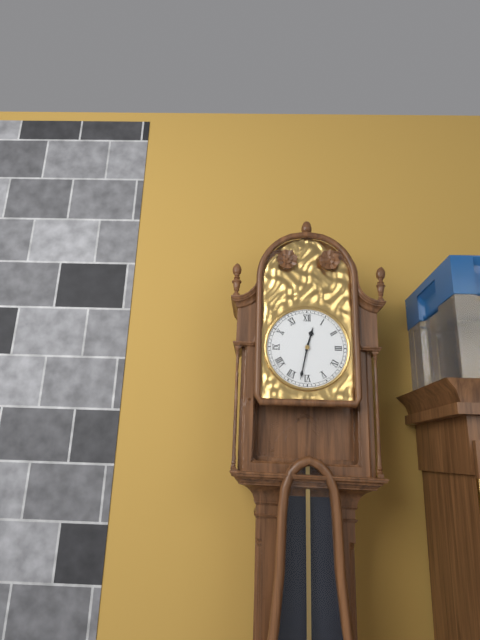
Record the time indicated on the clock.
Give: 12:32
